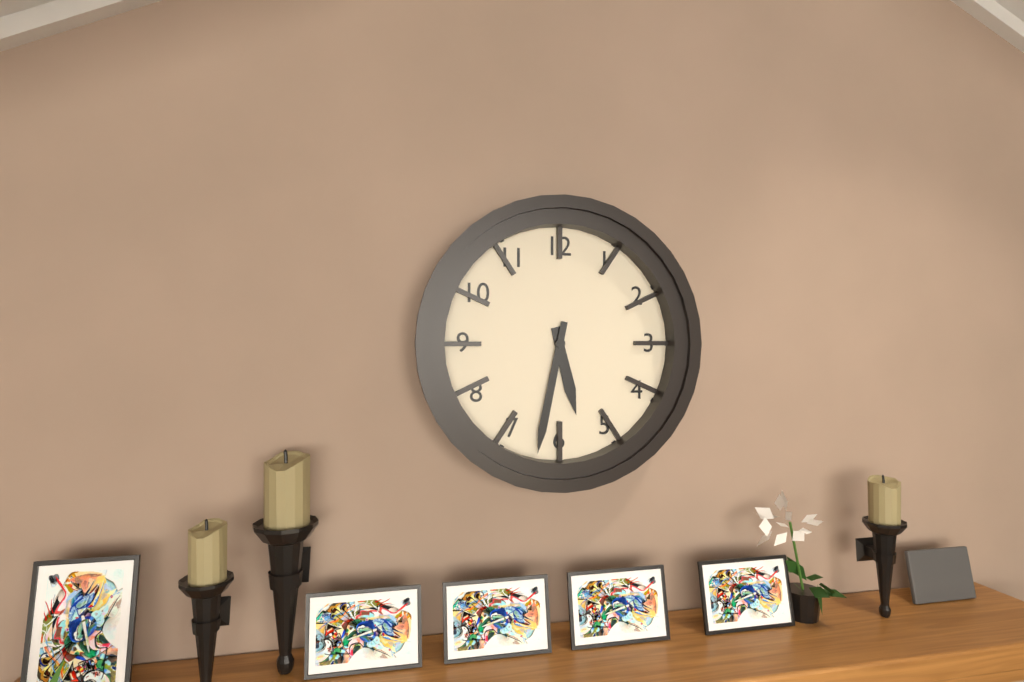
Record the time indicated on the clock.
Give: 5:32
